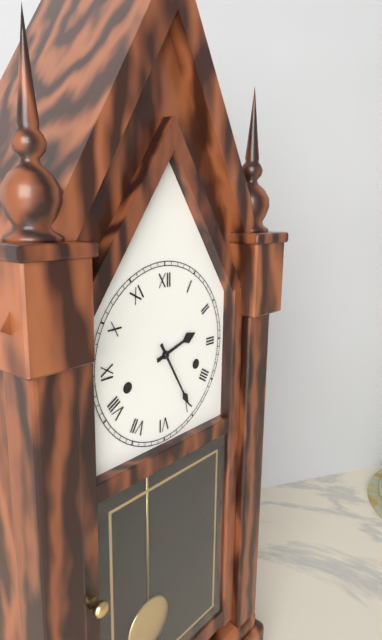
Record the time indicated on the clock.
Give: 2:25
